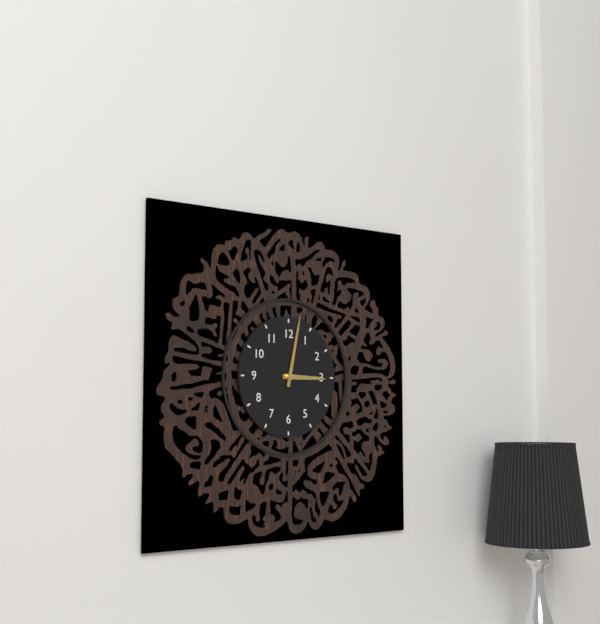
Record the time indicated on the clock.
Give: 3:02
